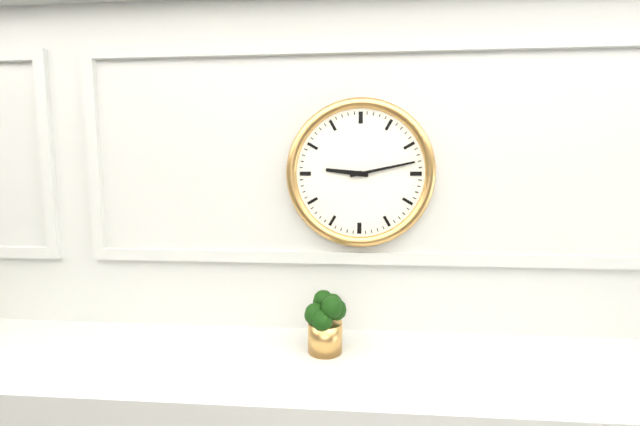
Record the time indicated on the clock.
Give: 9:13
